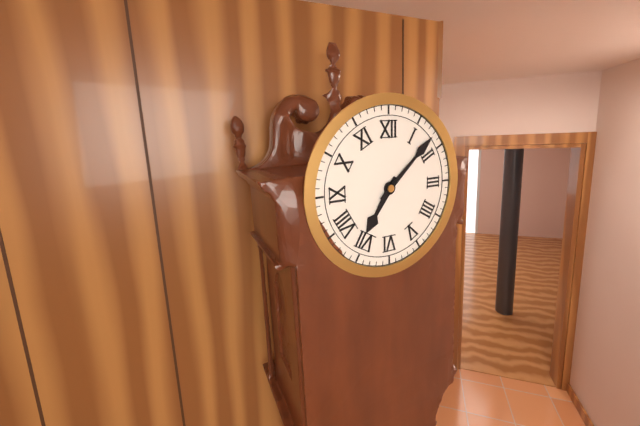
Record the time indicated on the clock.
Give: 7:08
